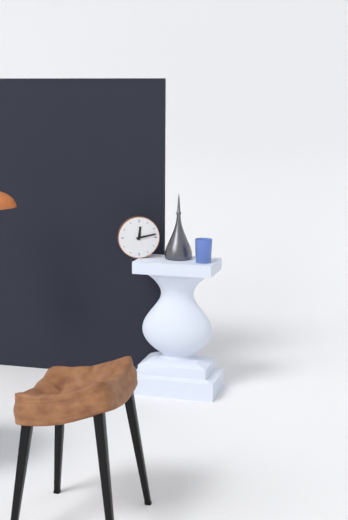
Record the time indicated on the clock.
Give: 12:13
